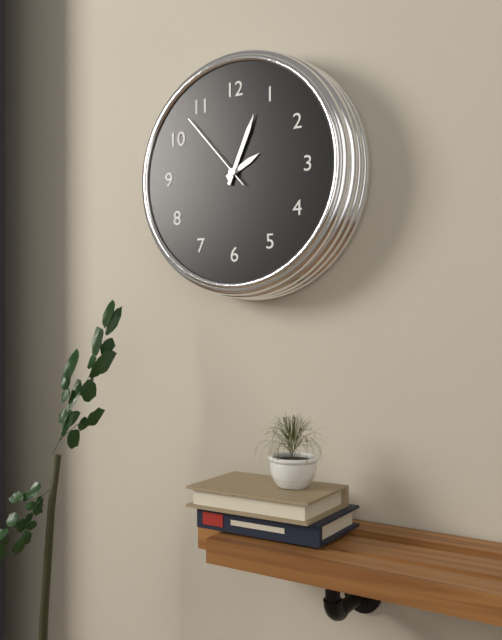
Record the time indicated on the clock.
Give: 2:04:53
